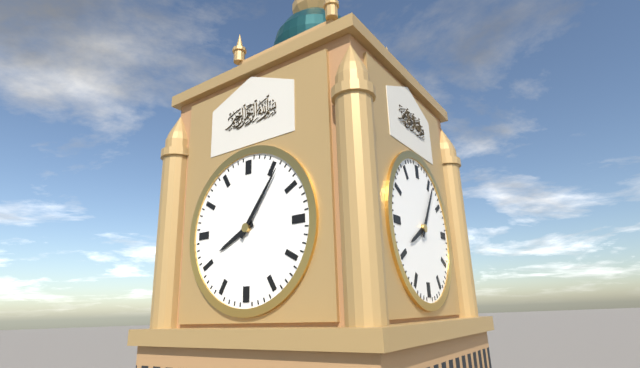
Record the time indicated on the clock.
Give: 8:06
